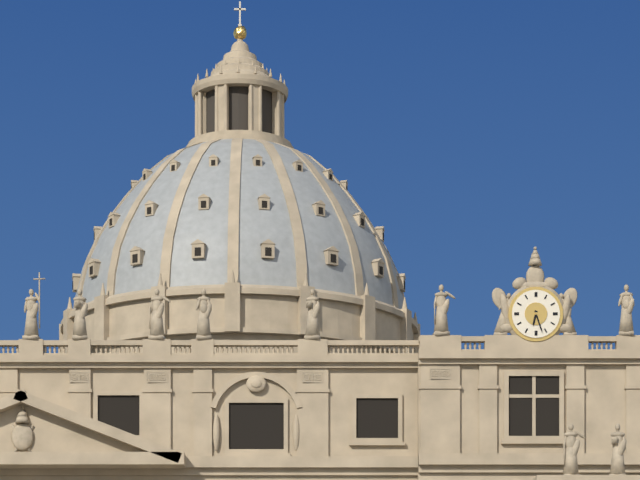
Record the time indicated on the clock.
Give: 6:27
